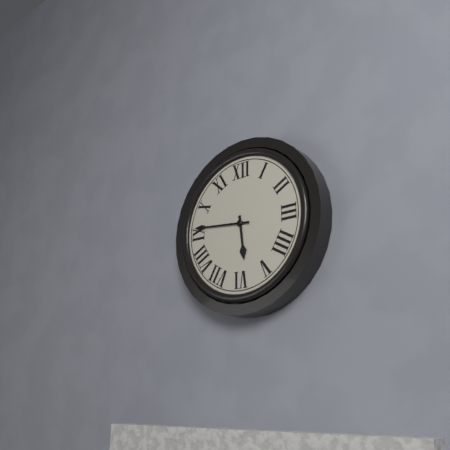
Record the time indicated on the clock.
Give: 5:46
